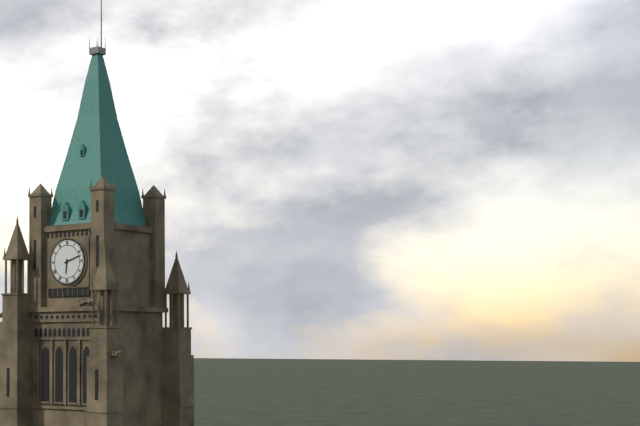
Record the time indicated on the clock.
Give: 6:12
